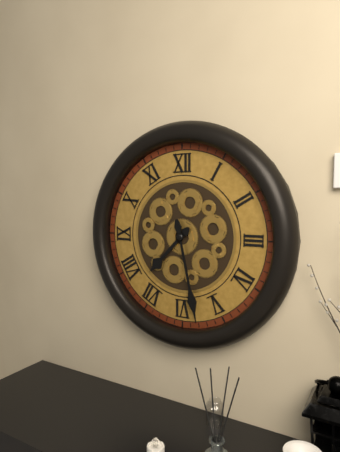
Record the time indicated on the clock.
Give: 7:28
